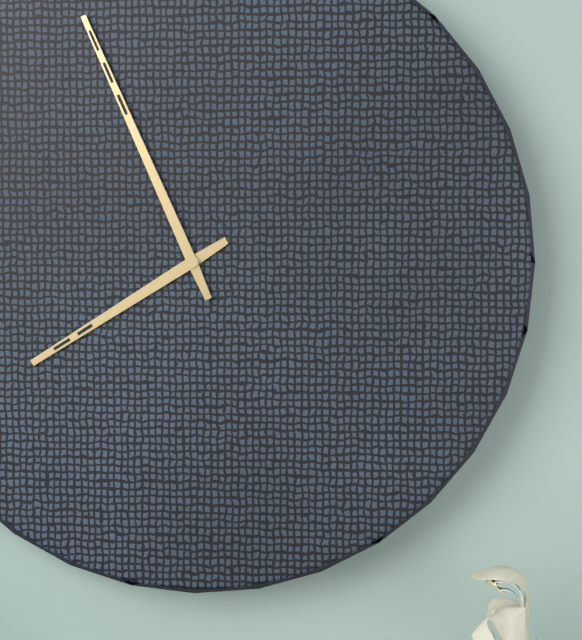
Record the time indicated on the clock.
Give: 7:56
